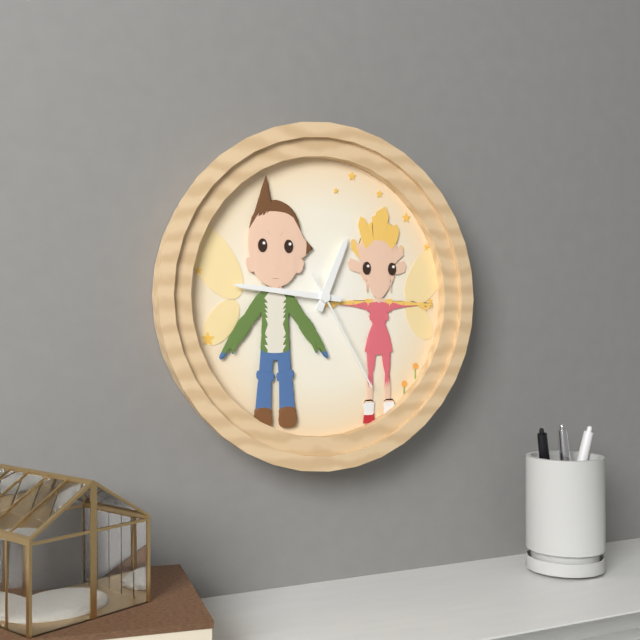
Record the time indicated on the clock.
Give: 12:46:25
